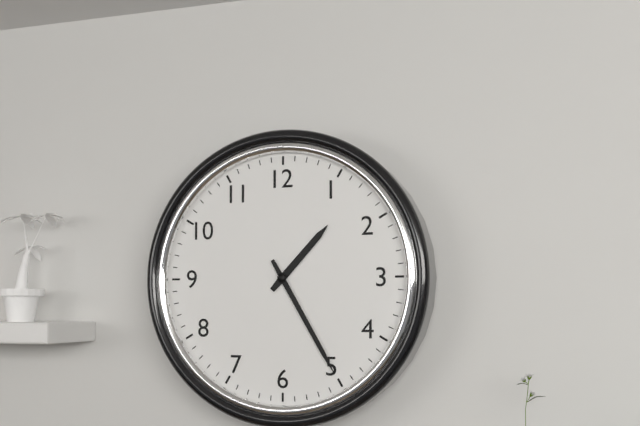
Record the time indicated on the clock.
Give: 1:25
